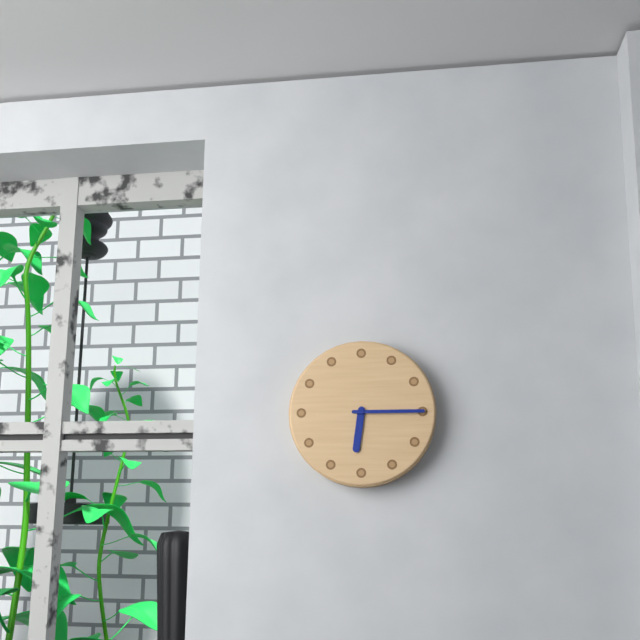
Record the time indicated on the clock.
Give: 6:15
